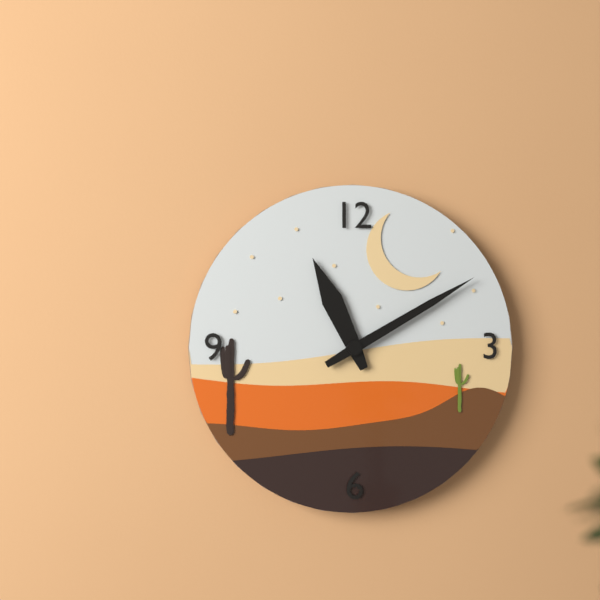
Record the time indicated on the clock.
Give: 11:10
